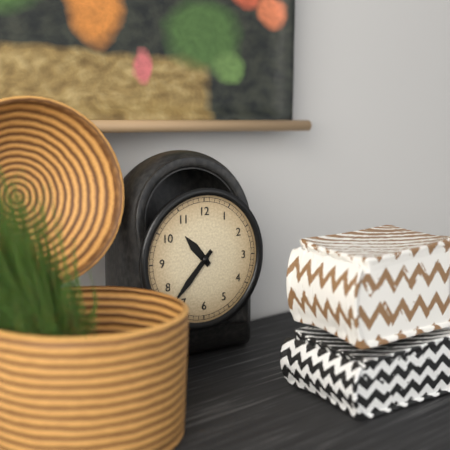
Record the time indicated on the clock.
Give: 10:37
